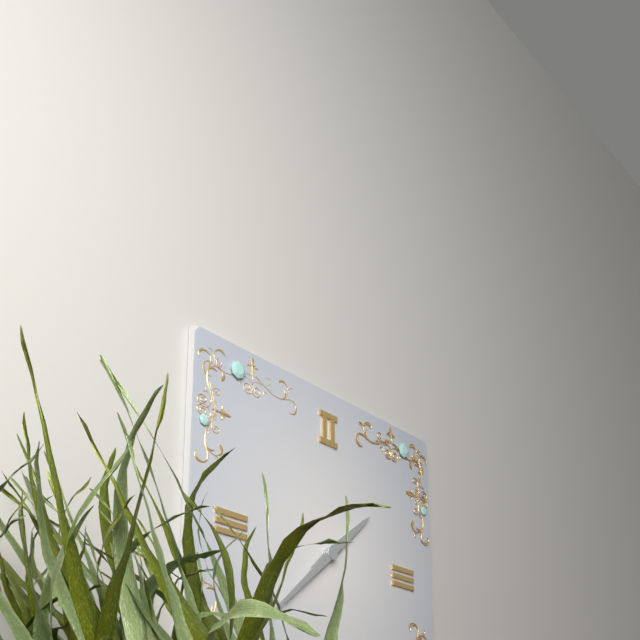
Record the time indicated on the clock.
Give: 1:38
